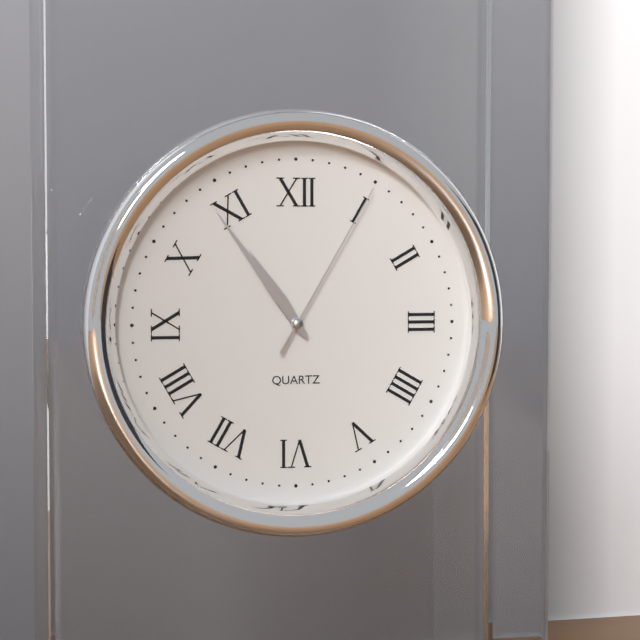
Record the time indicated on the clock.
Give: 10:54:05
